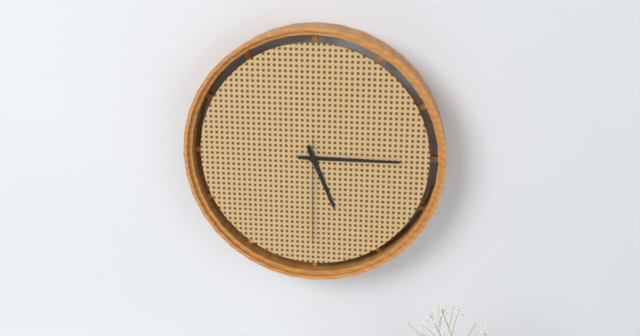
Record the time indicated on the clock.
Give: 5:15:30
